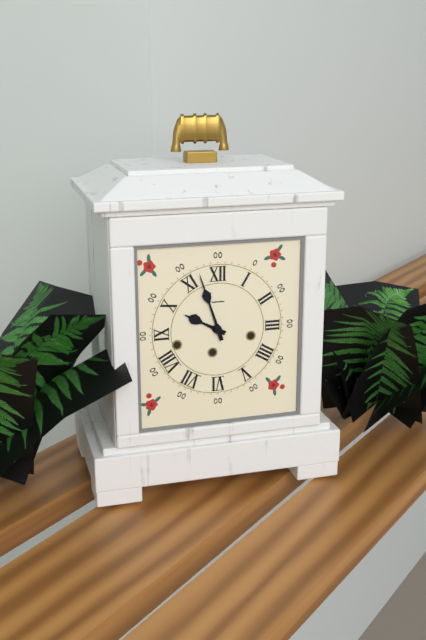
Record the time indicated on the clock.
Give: 9:57
